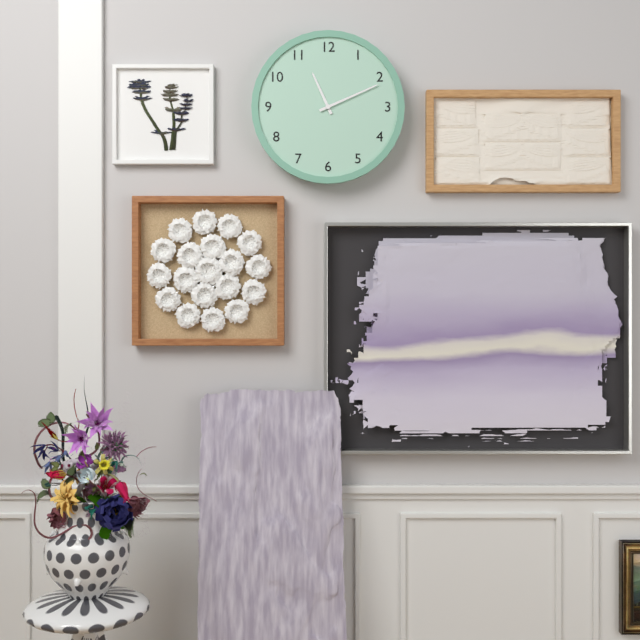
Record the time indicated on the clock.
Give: 11:11
